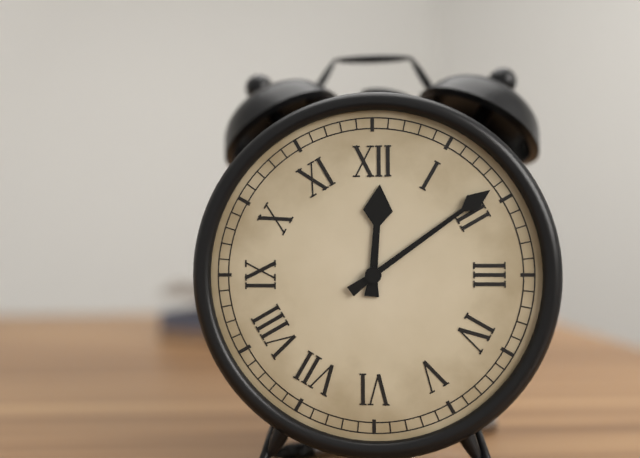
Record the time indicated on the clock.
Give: 12:09
